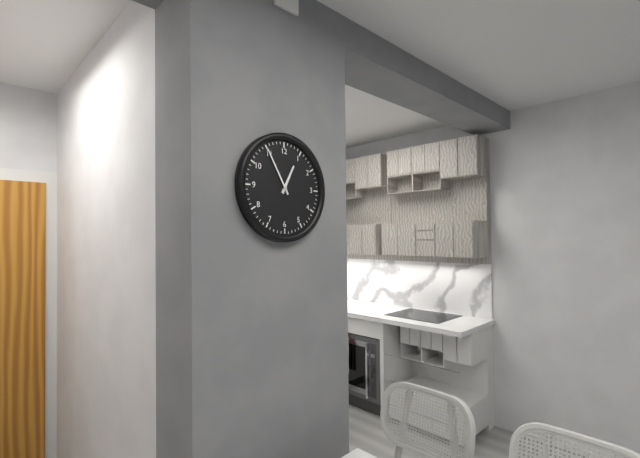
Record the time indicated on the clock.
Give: 12:55
